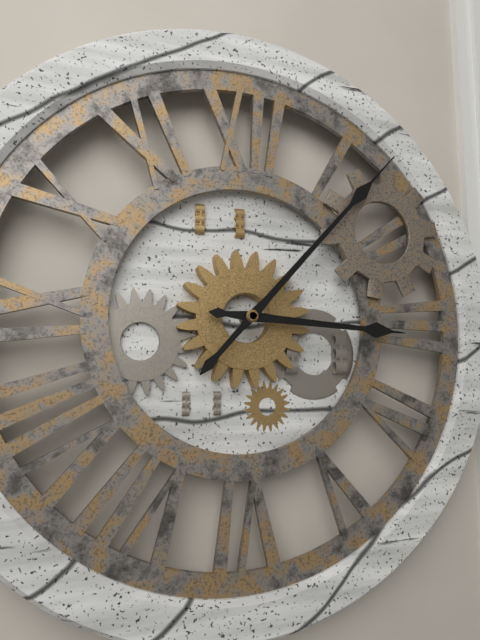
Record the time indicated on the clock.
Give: 3:07
